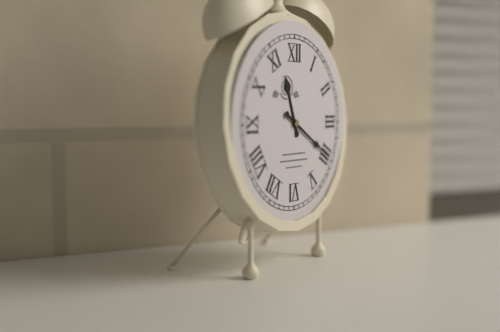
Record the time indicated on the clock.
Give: 11:20
